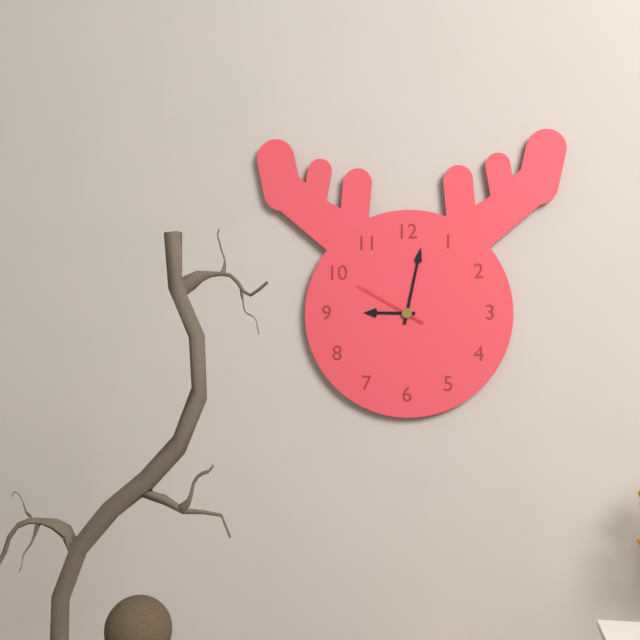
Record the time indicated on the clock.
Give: 9:02:50
